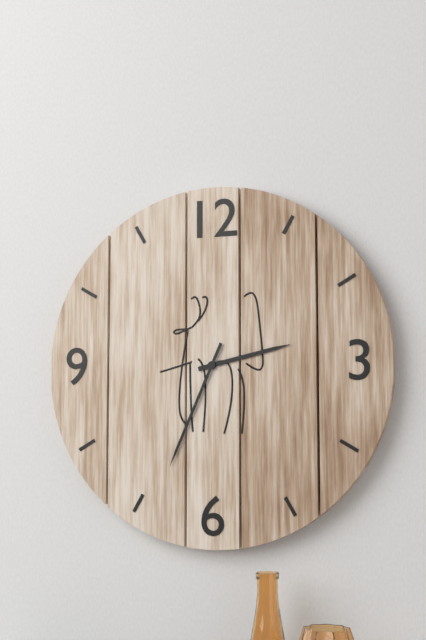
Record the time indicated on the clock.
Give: 2:34
